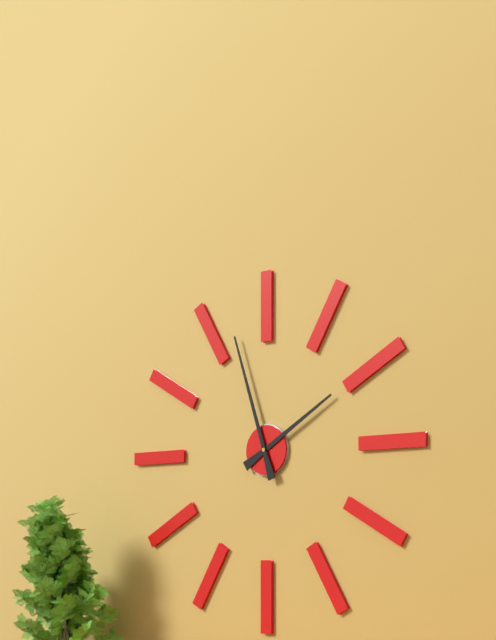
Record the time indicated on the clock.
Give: 1:57
